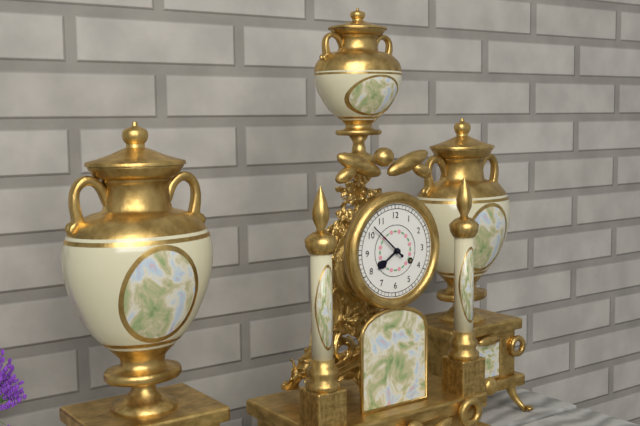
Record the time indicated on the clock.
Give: 7:52
